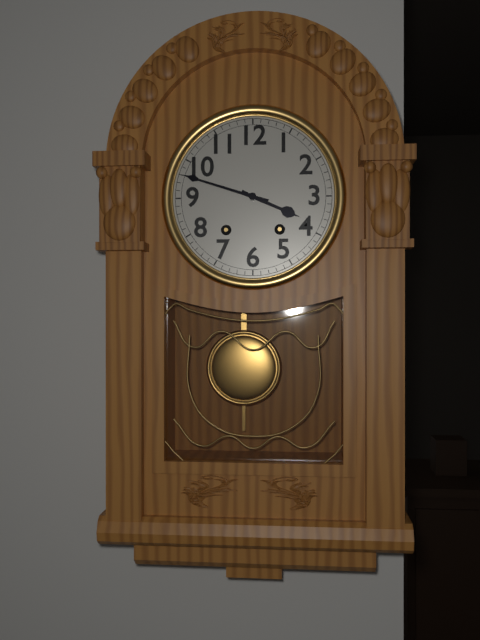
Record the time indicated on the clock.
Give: 3:48
